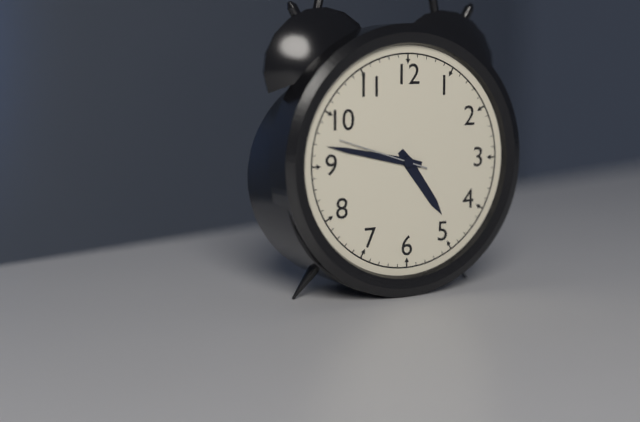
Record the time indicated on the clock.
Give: 4:47:48
